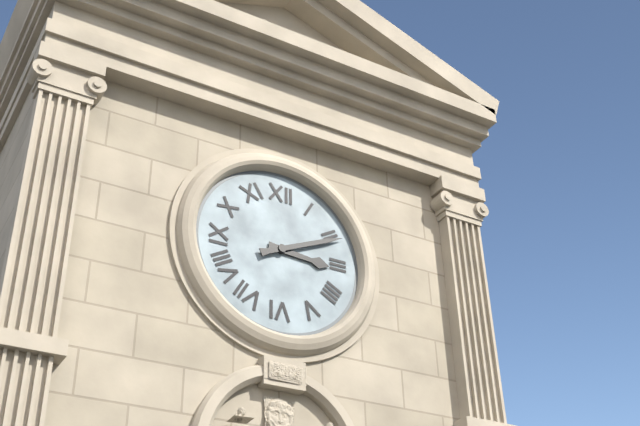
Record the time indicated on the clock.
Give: 3:11
